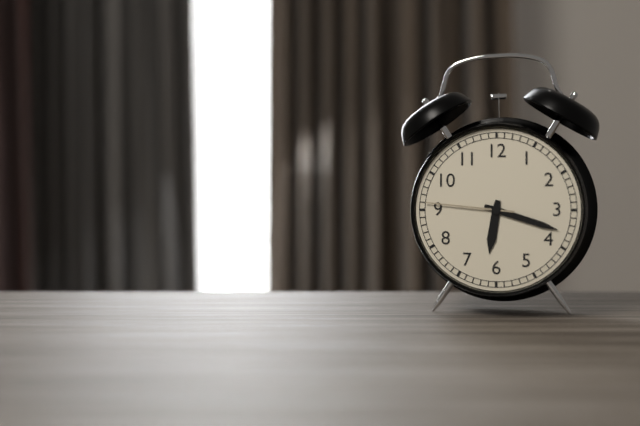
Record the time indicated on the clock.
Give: 6:18:46
